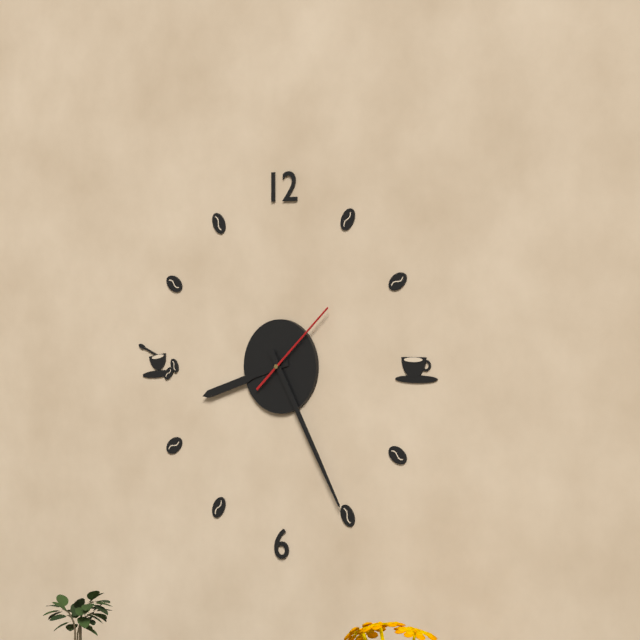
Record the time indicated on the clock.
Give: 8:25:08
